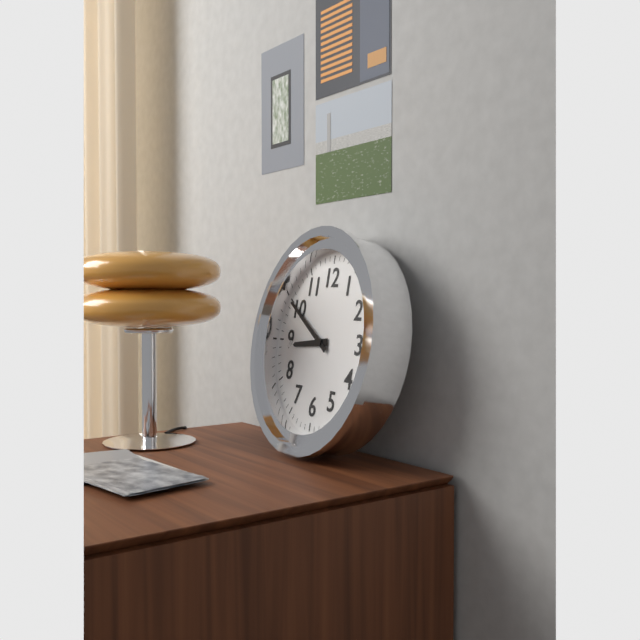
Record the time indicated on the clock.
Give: 8:50
